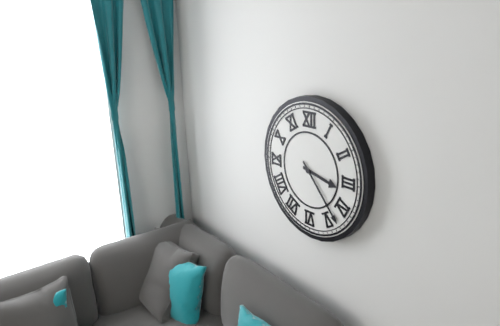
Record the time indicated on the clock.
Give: 3:23
